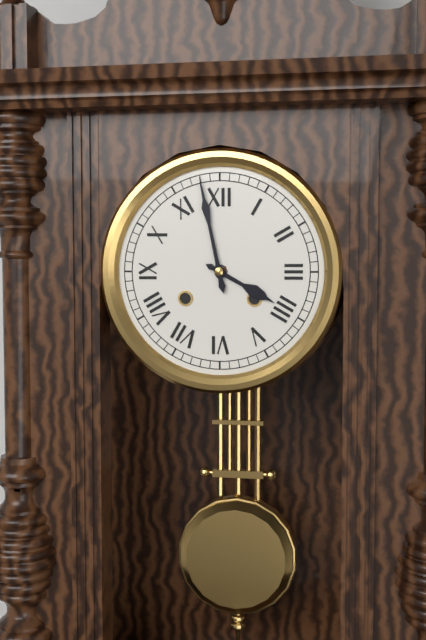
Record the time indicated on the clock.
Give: 3:58
